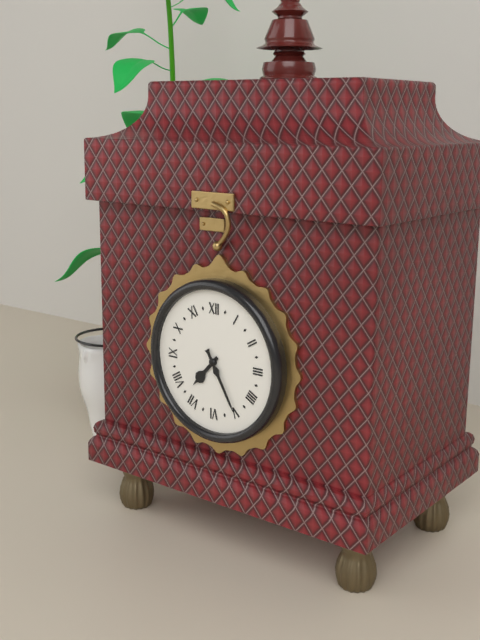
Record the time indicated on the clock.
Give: 7:25
